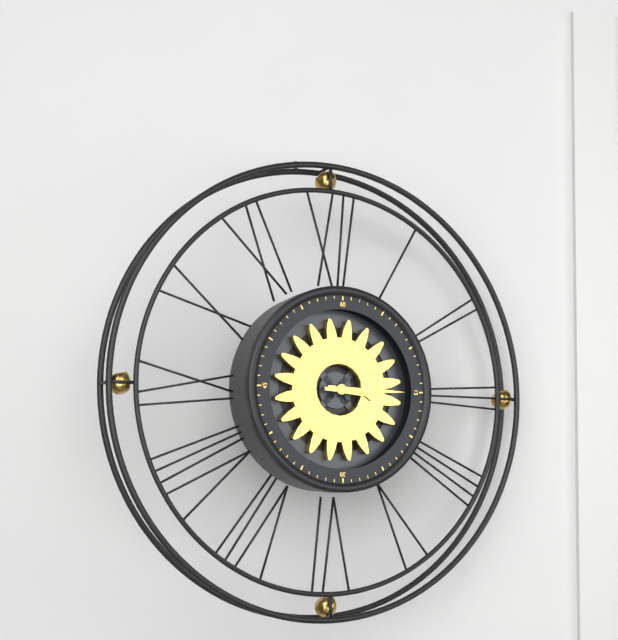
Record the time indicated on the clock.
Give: 3:15
